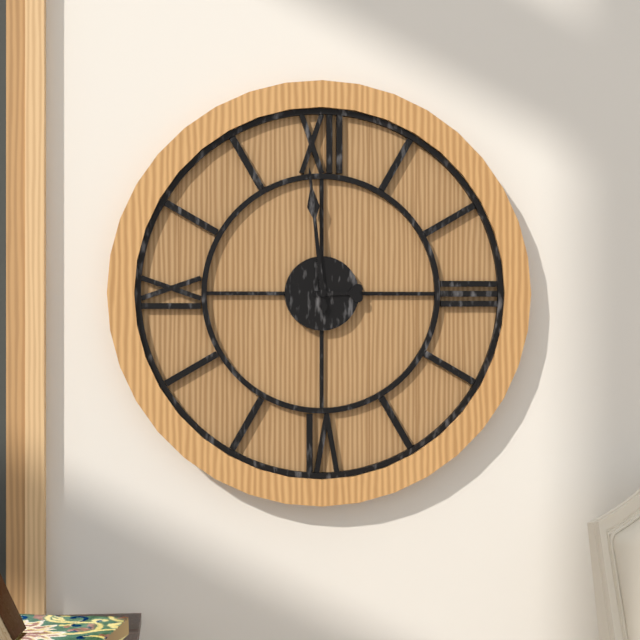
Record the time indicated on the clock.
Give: 2:59
